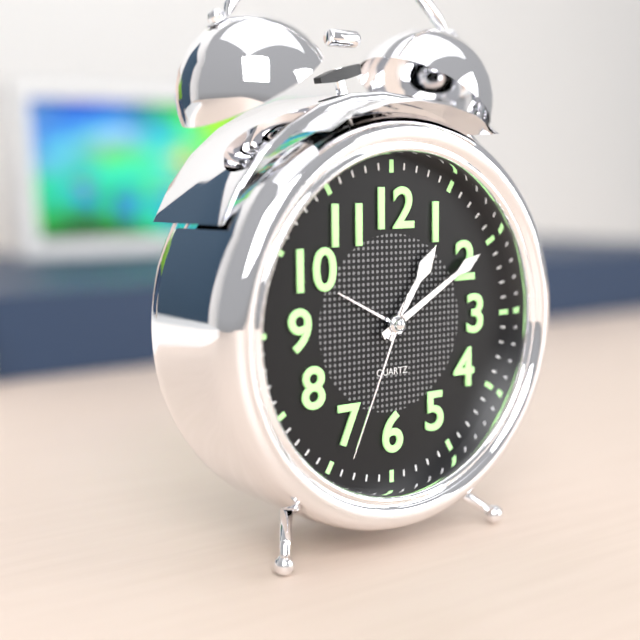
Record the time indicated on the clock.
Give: 1:10:34
